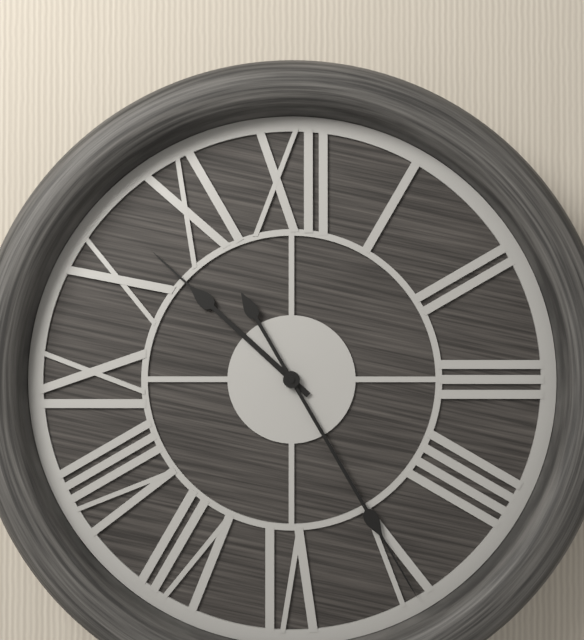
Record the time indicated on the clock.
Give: 10:25
